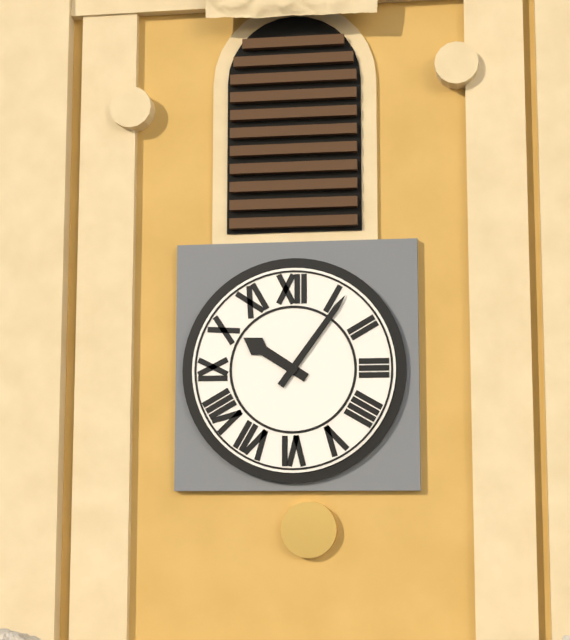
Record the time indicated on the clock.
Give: 10:06
